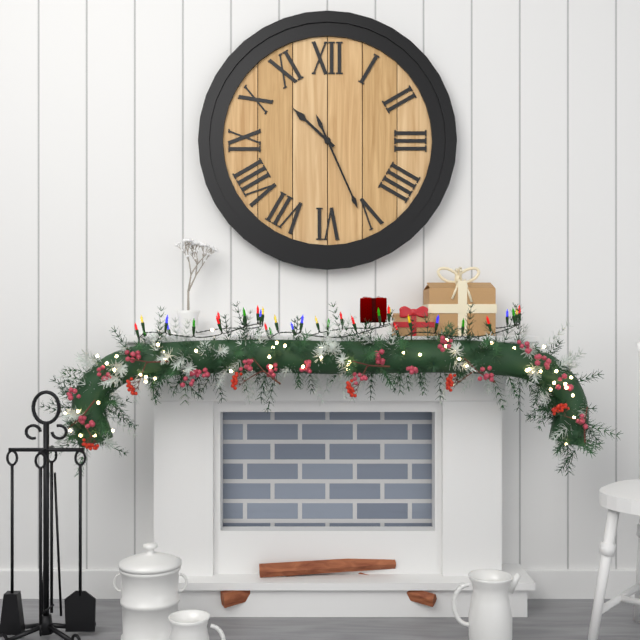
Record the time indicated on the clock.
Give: 10:26
